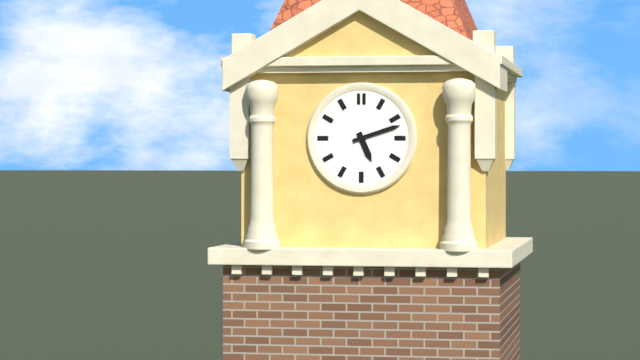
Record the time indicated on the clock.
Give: 5:12
